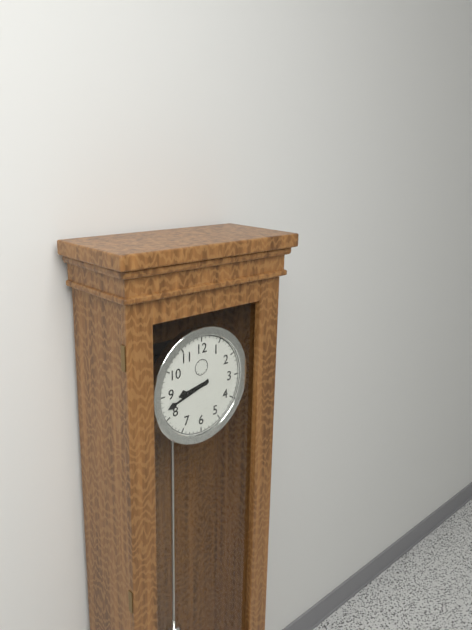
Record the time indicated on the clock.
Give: 8:42
